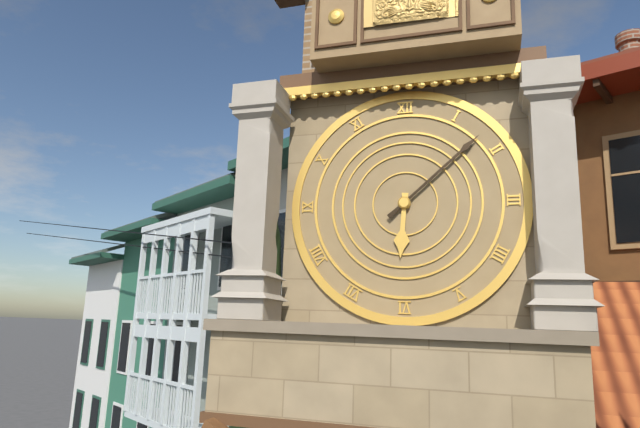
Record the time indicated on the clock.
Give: 6:08
